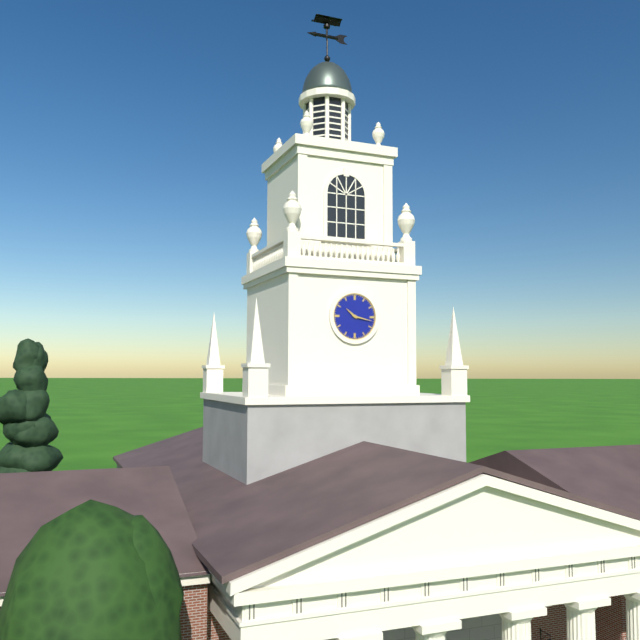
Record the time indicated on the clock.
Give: 10:17
